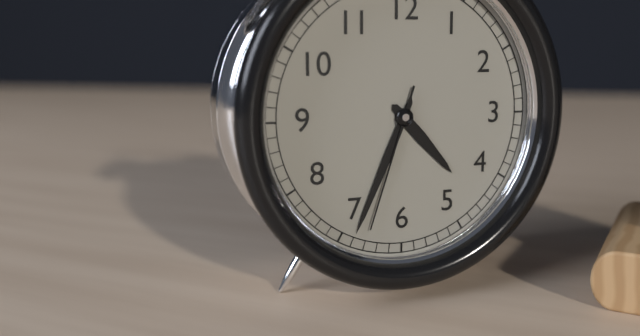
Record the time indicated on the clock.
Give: 4:34:33
